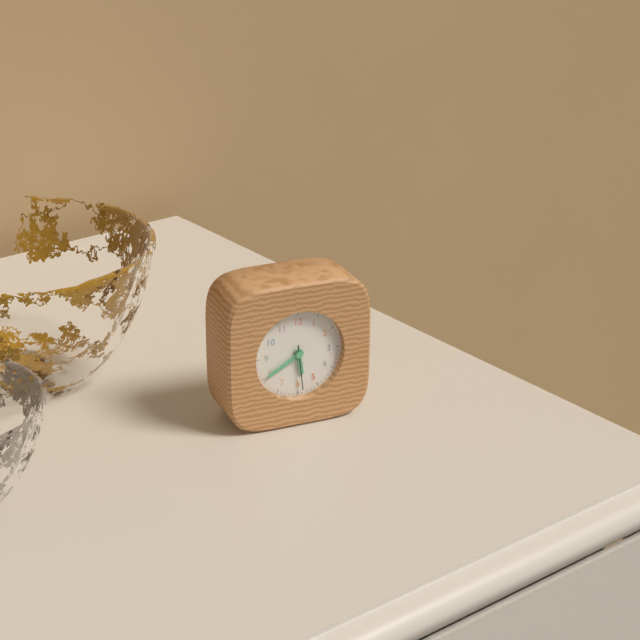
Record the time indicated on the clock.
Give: 5:40
